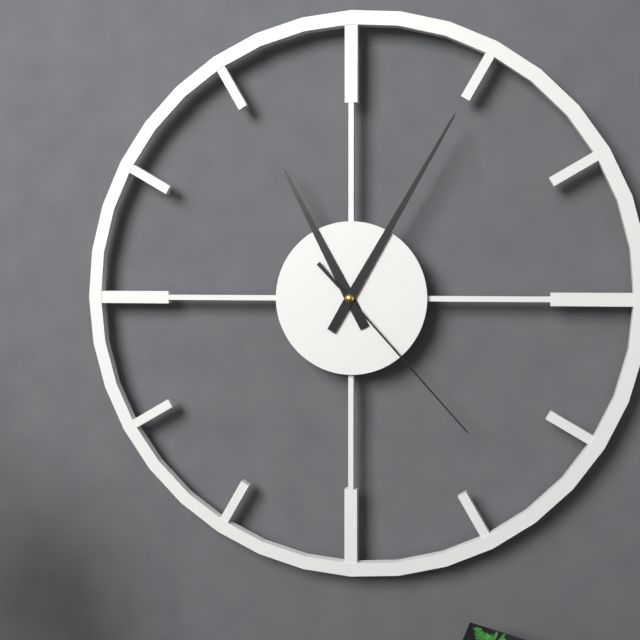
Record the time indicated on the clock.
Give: 11:05:23
